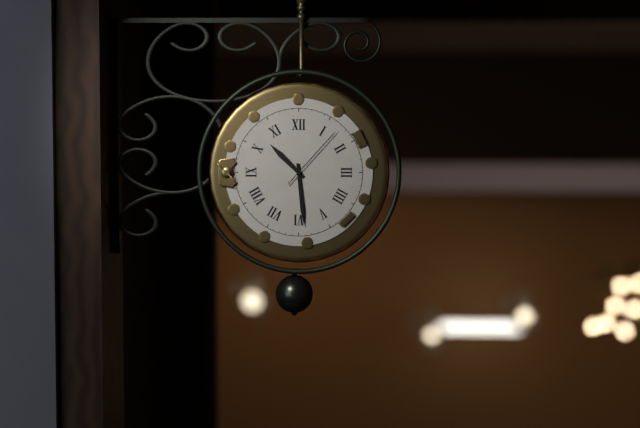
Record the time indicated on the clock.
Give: 10:29:07
